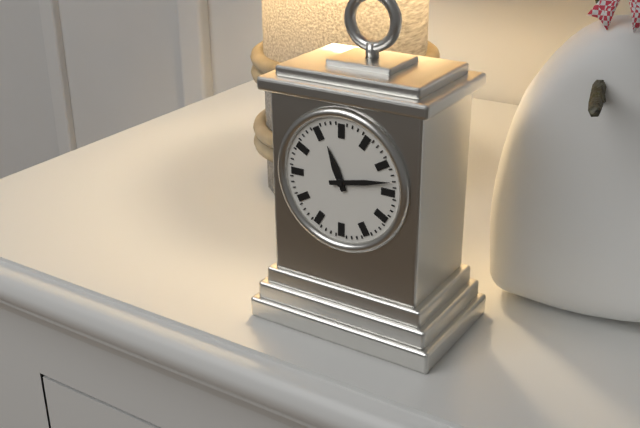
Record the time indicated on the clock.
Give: 11:13
